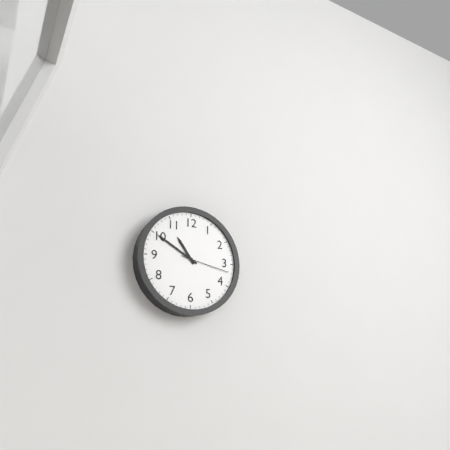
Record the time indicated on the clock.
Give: 10:50
